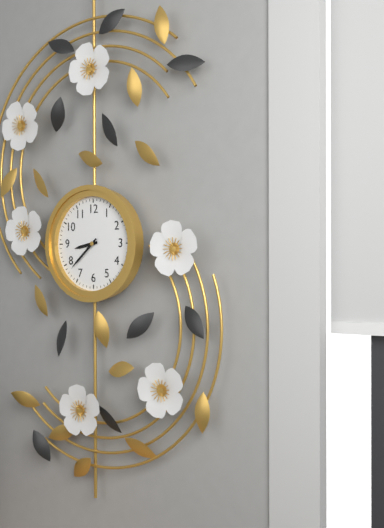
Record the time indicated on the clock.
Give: 8:38
